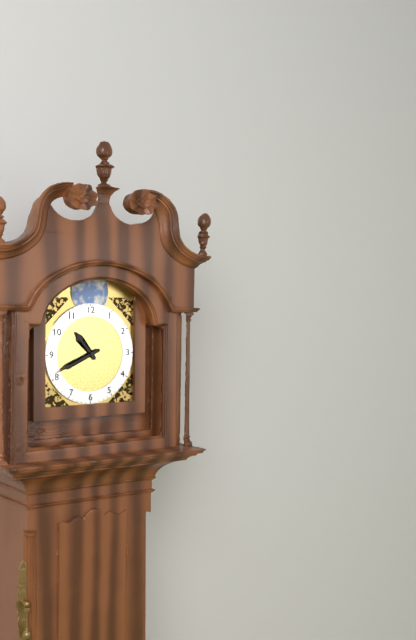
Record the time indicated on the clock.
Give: 10:41
